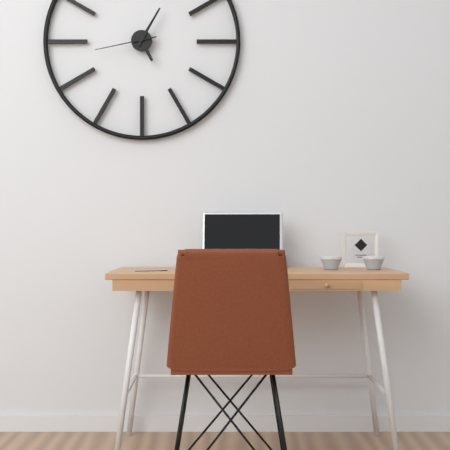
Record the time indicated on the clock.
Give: 5:05:43
